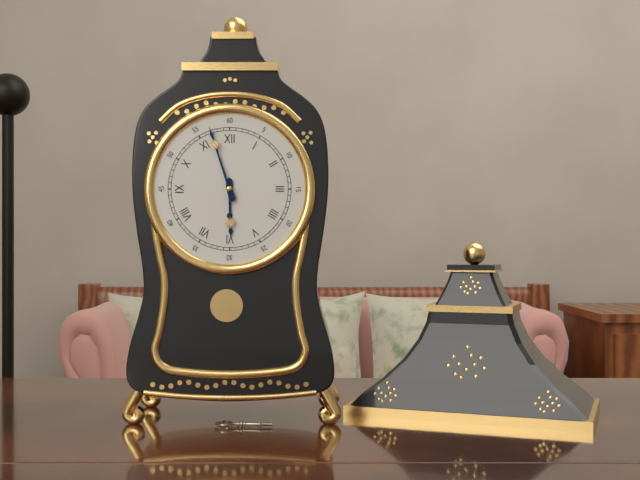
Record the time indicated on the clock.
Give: 5:57
